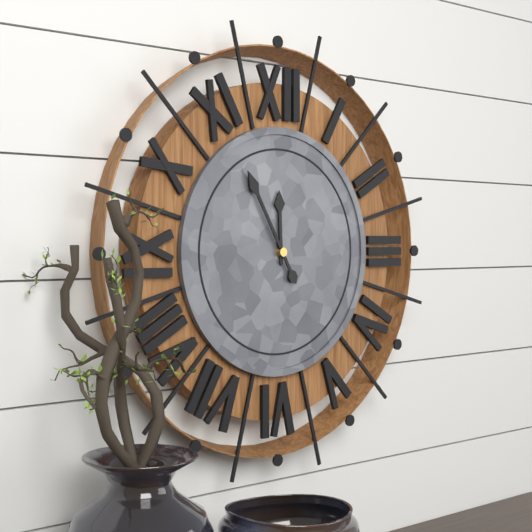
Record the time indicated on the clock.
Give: 11:55
